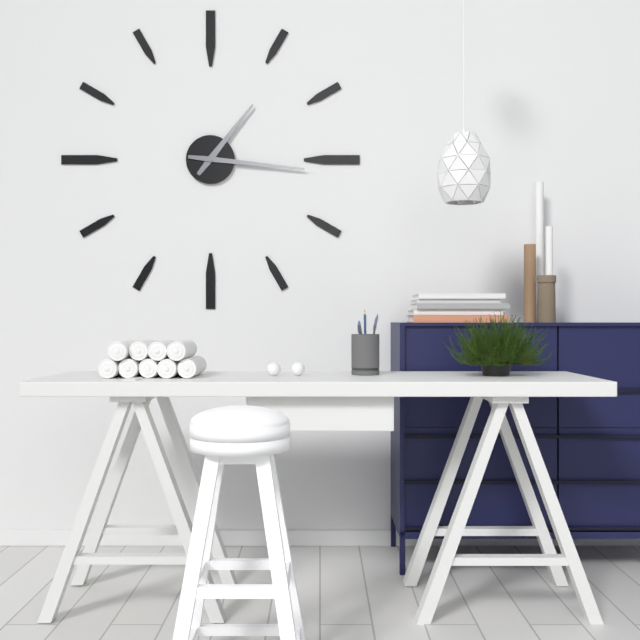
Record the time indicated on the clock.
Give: 1:16
